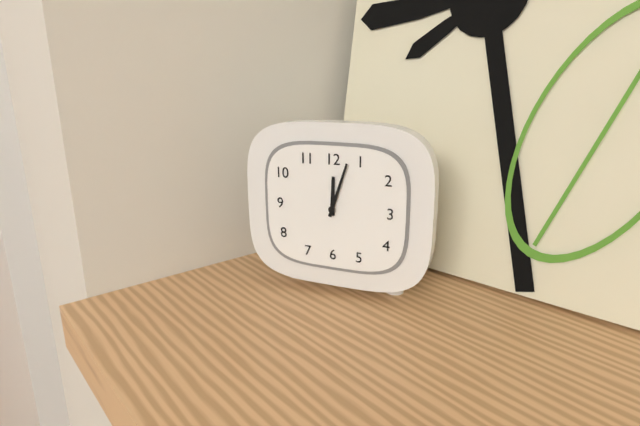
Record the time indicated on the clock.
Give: 12:03
